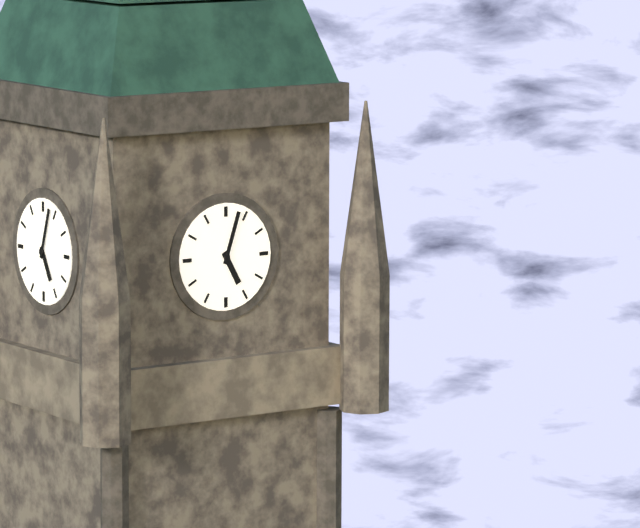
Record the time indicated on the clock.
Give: 5:03
